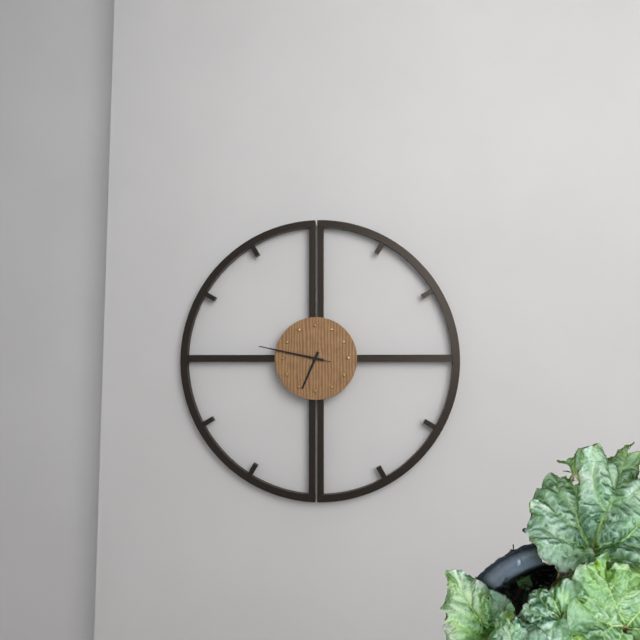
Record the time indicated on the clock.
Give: 6:47:47
